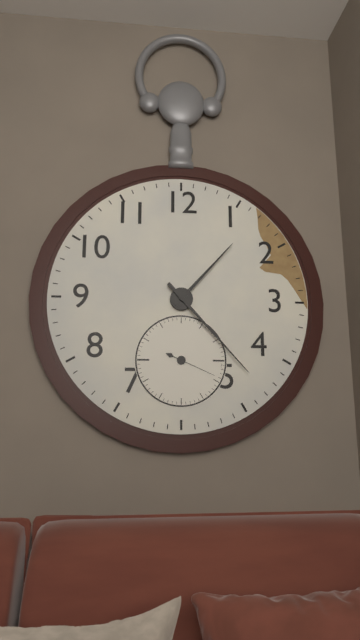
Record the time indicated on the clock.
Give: 1:23
